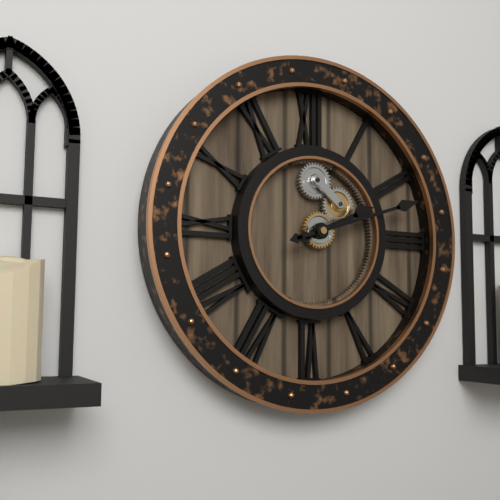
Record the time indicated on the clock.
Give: 2:12
